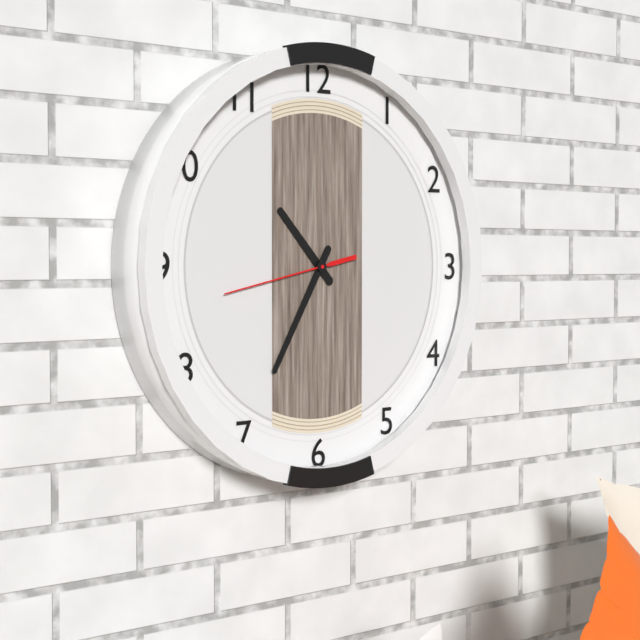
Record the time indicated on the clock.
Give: 10:35:43
